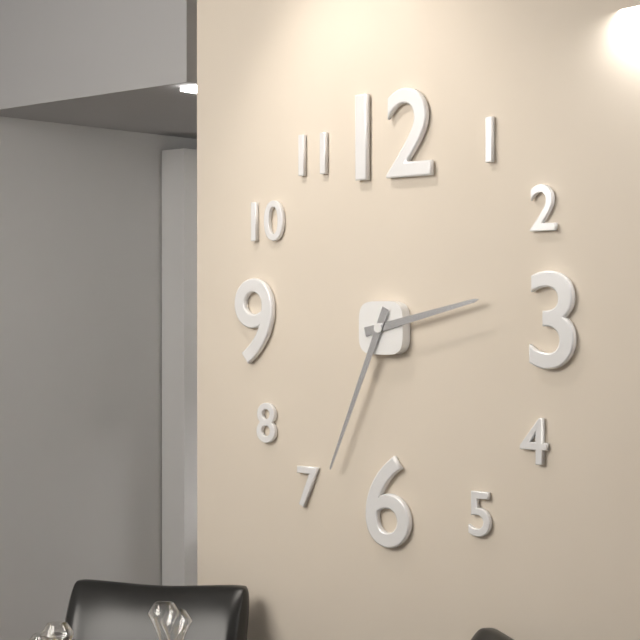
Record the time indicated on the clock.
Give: 2:34
